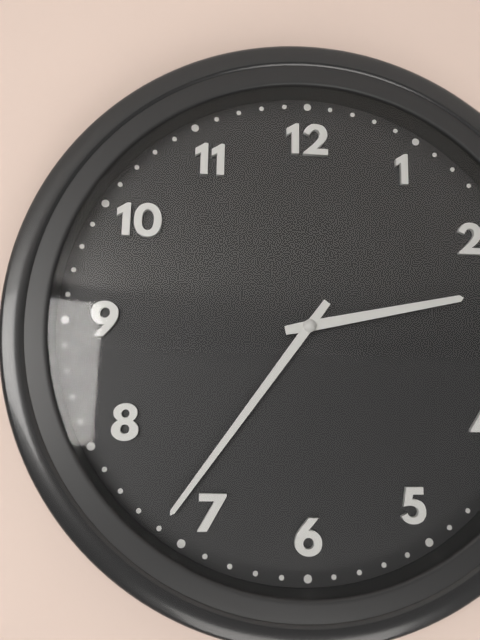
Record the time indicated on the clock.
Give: 2:36
